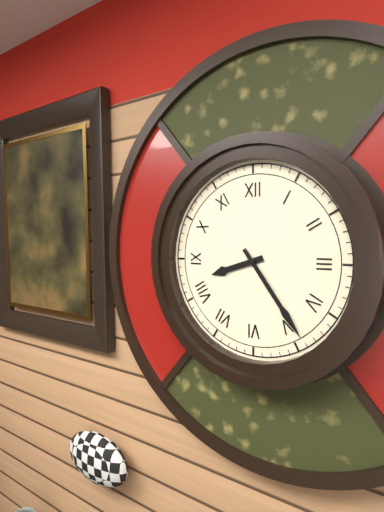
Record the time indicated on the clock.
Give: 8:24
